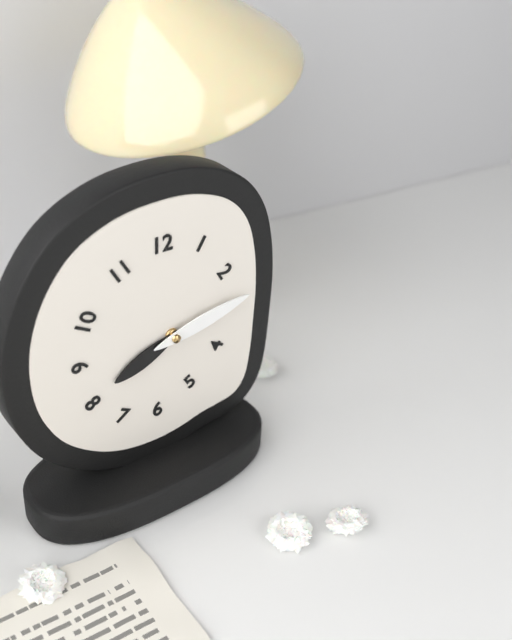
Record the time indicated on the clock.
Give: 8:13
